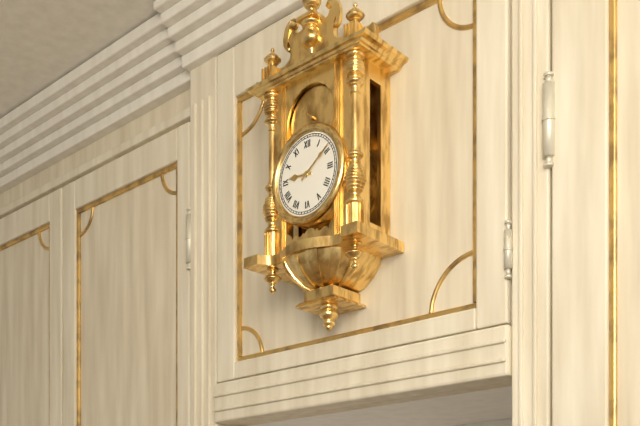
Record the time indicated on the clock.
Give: 9:09
